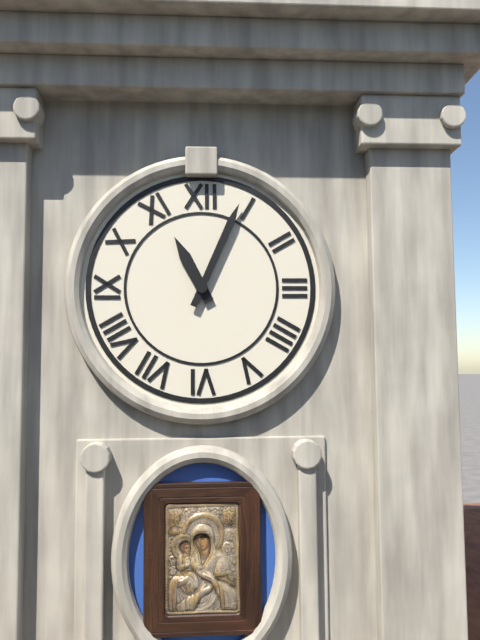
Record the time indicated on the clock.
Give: 11:04
